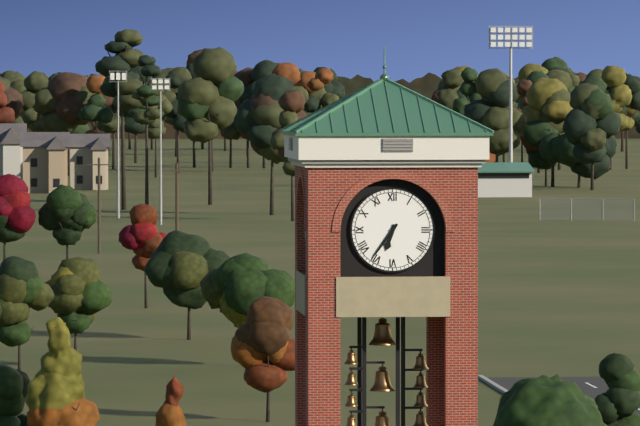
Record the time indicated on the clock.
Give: 6:36
